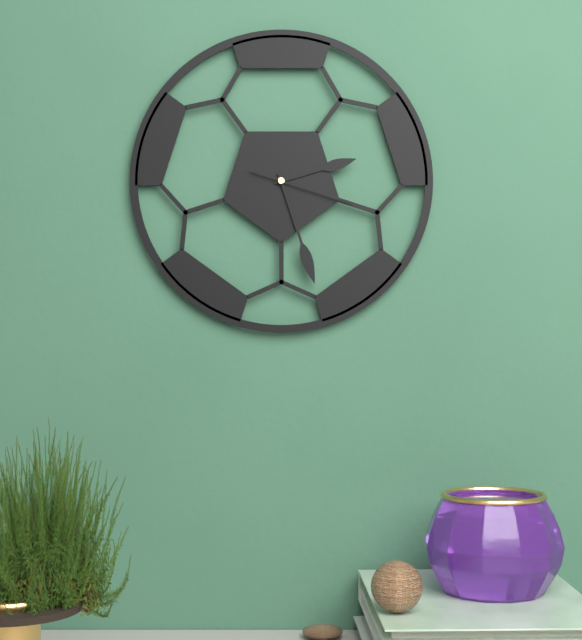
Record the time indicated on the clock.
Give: 2:27:18
